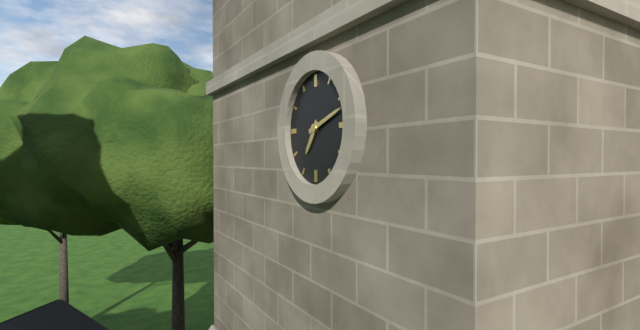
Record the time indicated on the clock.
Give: 7:12
